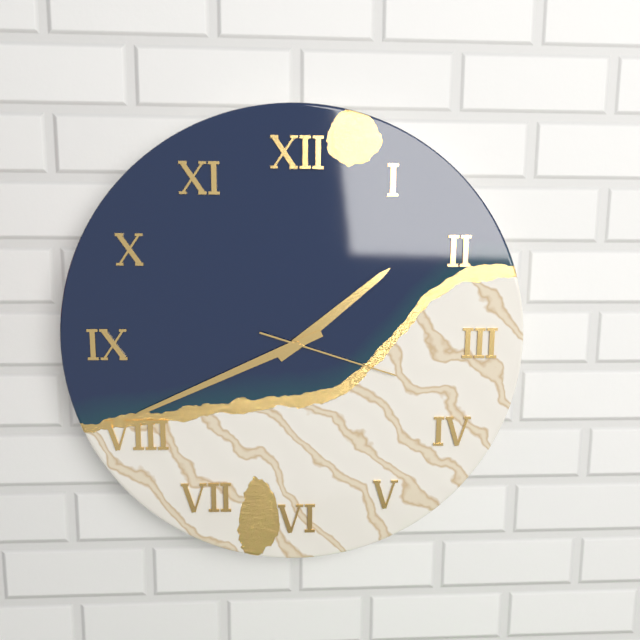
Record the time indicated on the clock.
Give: 1:41:18
